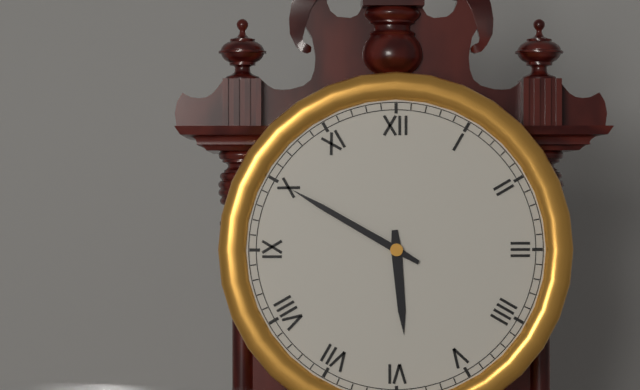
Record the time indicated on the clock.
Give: 5:50
